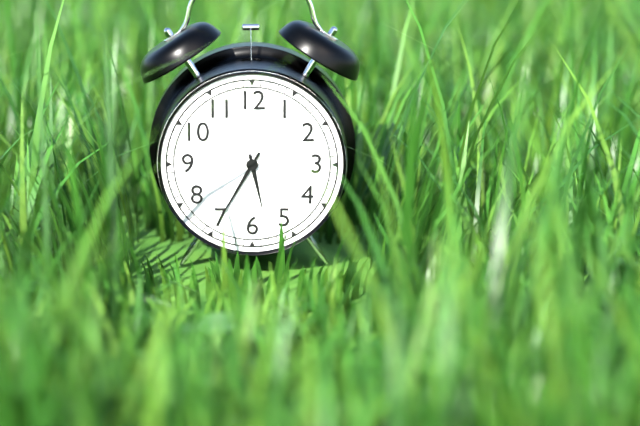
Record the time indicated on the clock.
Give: 5:35
